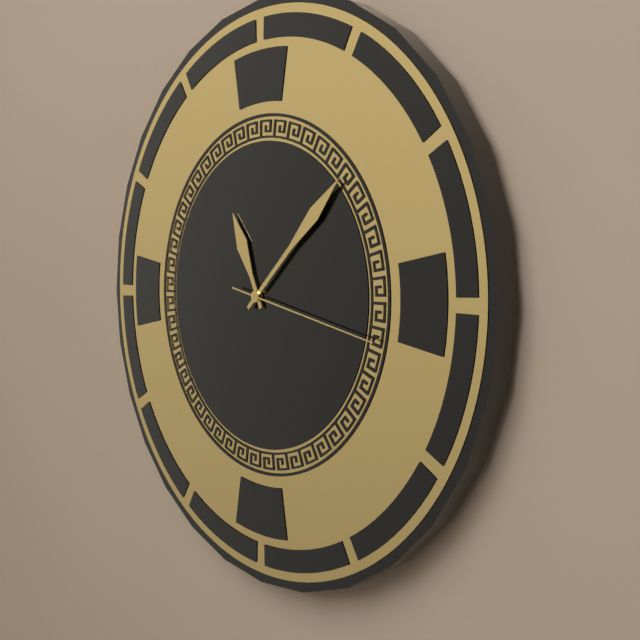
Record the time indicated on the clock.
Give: 11:08:17
